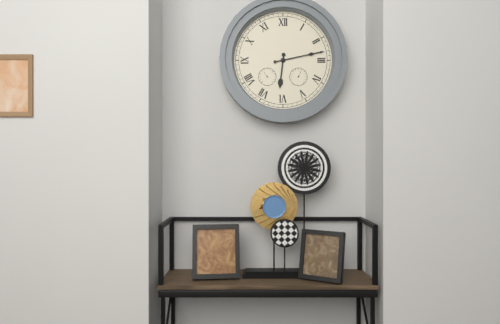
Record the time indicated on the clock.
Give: 6:13
